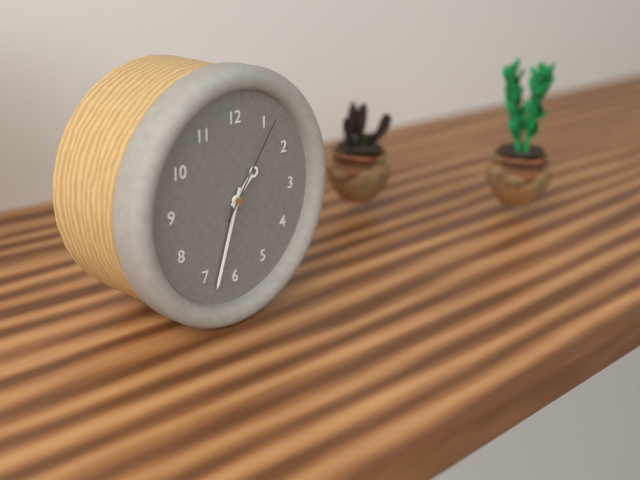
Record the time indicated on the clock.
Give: 1:33:06
